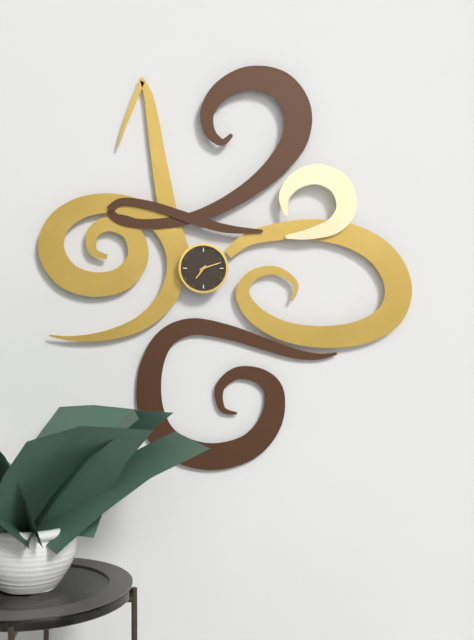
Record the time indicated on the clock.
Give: 7:12
